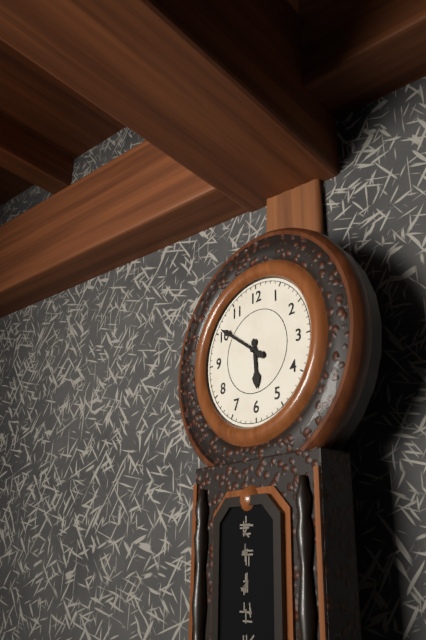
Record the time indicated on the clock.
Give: 5:51
